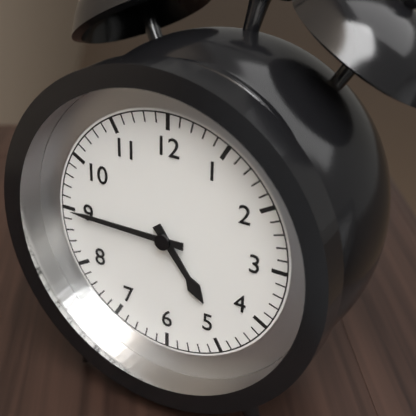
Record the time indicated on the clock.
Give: 4:45
